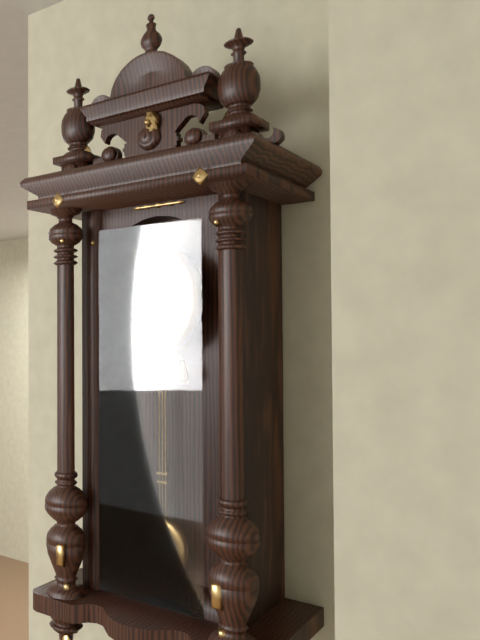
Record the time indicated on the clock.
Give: 6:25
